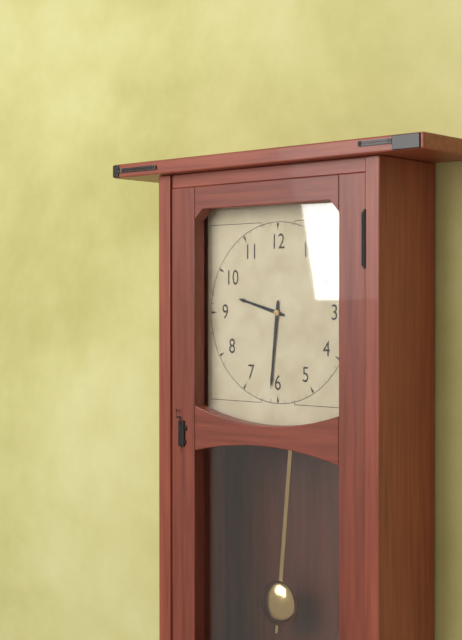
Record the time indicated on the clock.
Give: 9:31
